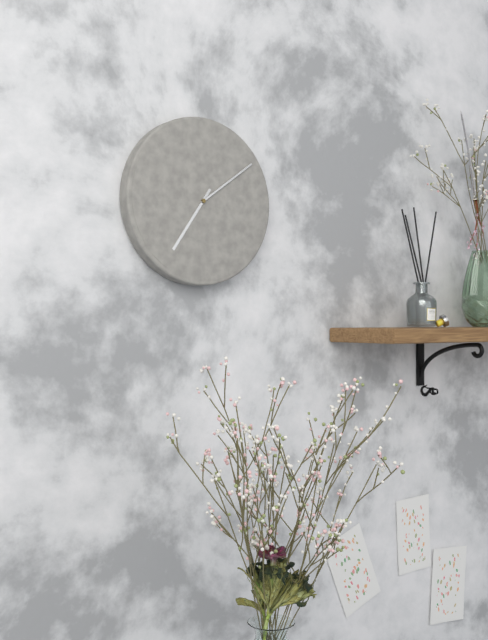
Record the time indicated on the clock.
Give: 7:09
